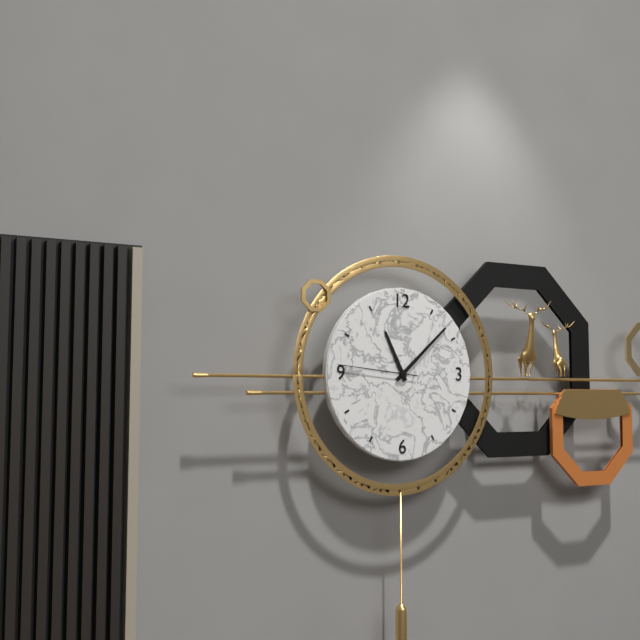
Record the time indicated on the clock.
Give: 11:08:46
